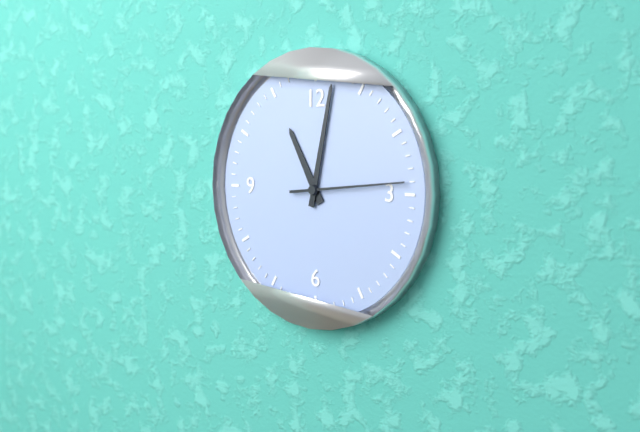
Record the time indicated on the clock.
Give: 11:02:14
